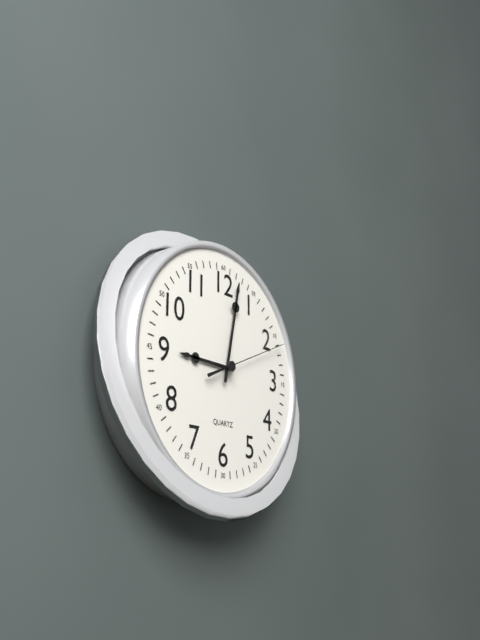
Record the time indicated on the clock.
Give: 9:02:11
